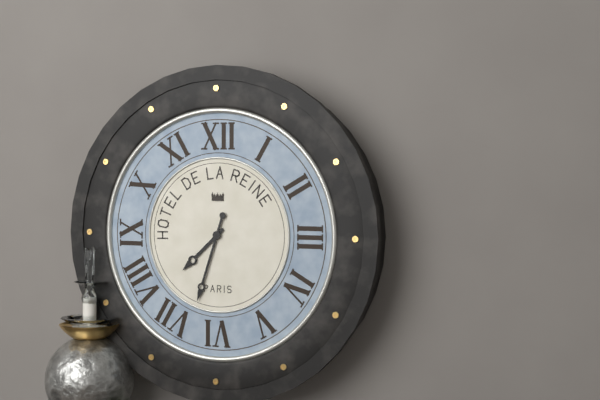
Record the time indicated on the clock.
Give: 7:33
